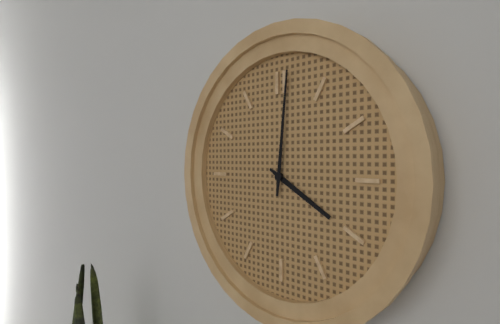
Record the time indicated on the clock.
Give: 4:01
